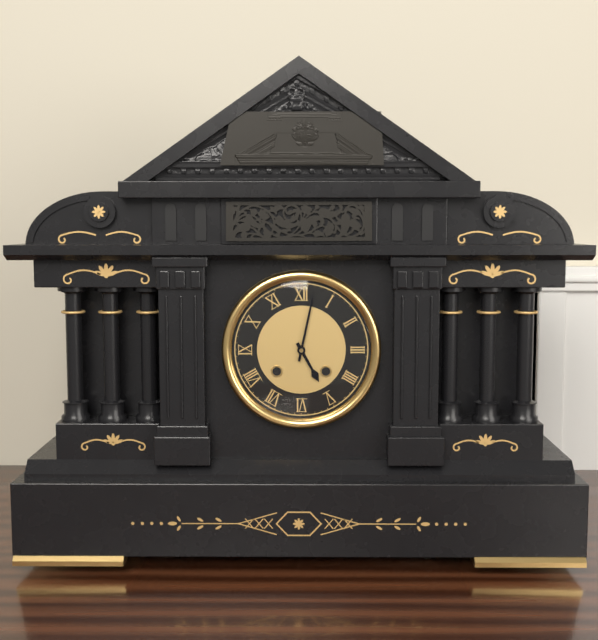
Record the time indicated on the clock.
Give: 5:02
